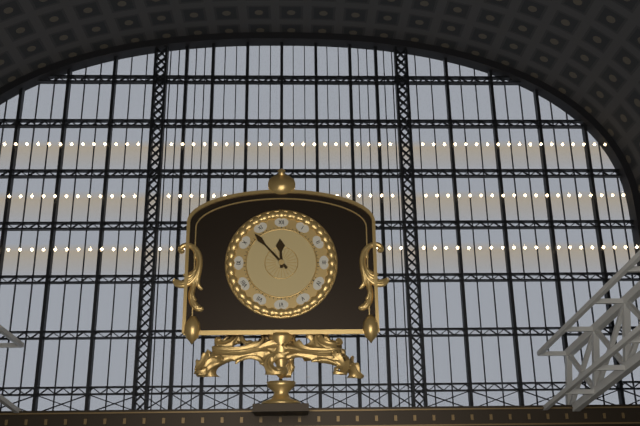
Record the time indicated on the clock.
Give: 11:53
